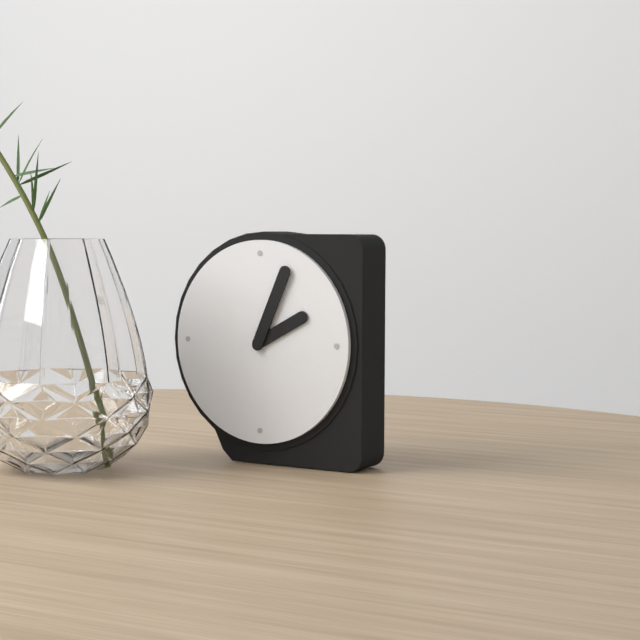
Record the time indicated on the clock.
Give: 2:04
